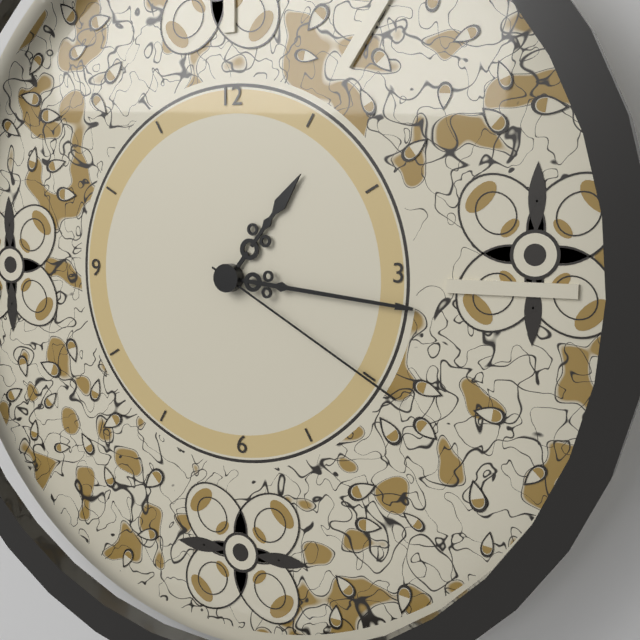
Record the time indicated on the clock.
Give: 1:16:20
